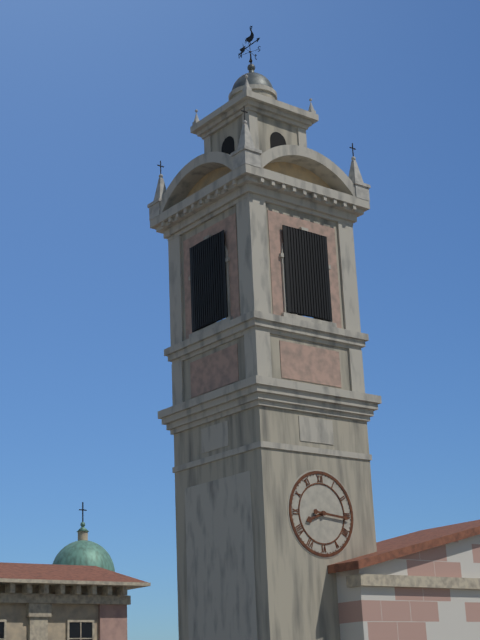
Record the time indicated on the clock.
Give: 8:16
